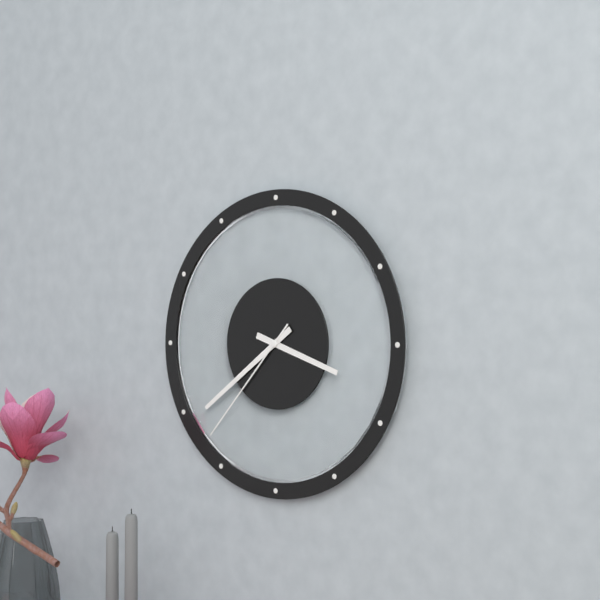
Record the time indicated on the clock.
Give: 3:39:37
